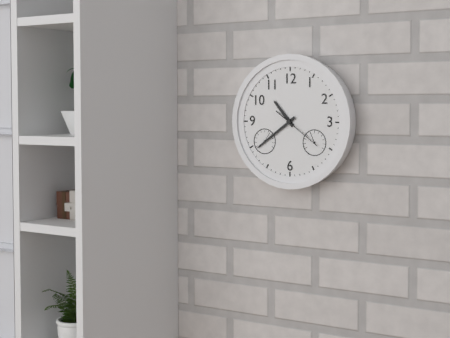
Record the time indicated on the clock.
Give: 10:39
